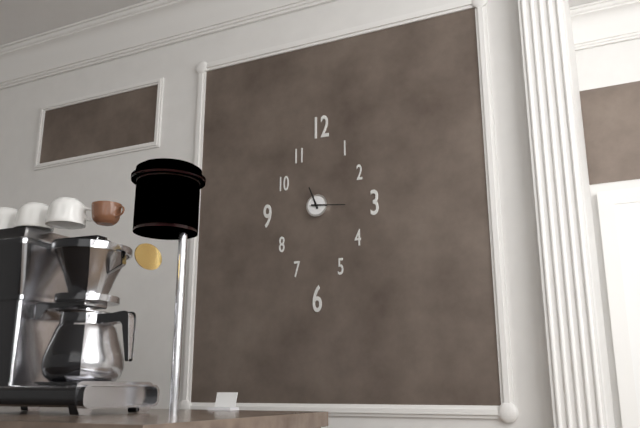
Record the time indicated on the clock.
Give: 11:16
